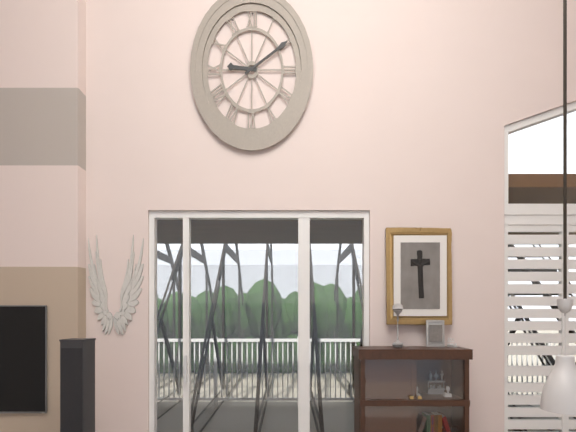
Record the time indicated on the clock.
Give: 9:10
